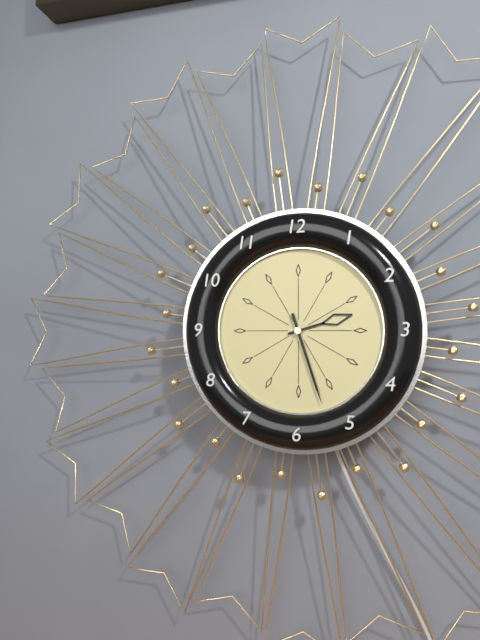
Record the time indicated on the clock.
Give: 2:27
